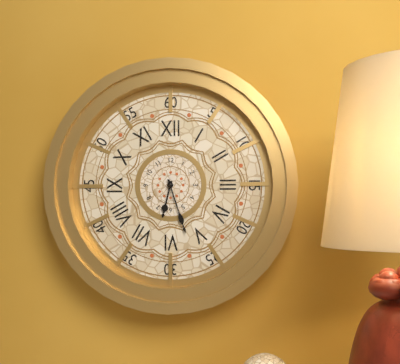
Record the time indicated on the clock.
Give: 6:27
